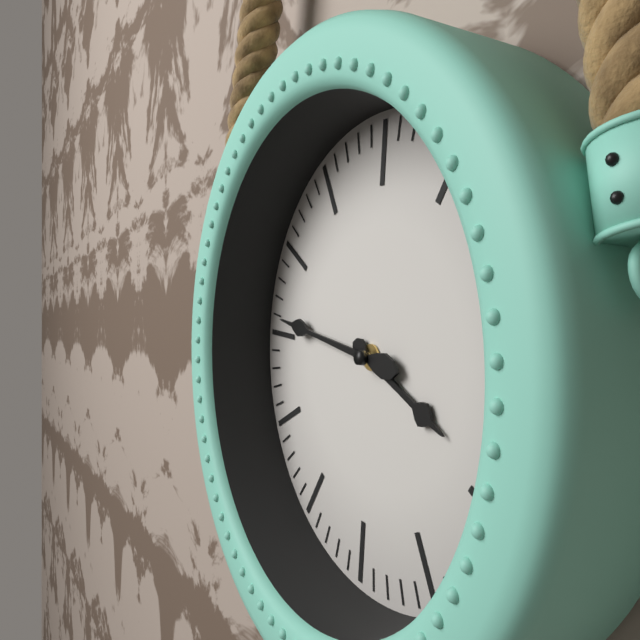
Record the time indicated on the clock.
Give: 3:46
